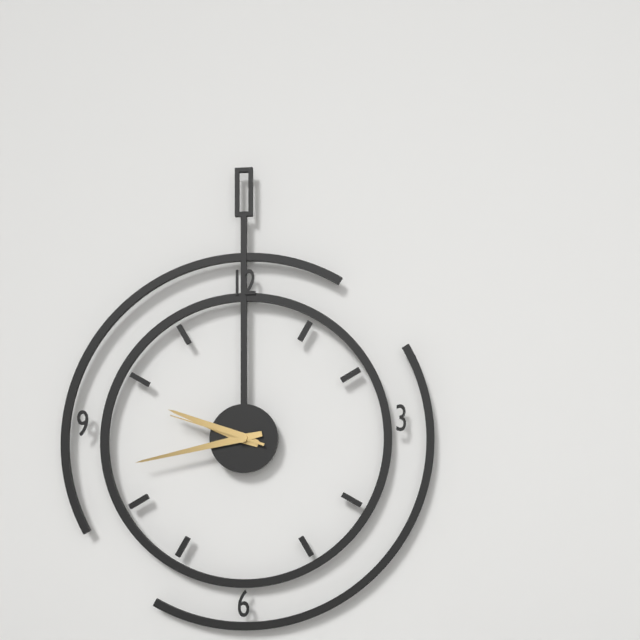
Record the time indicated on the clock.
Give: 9:43:48
